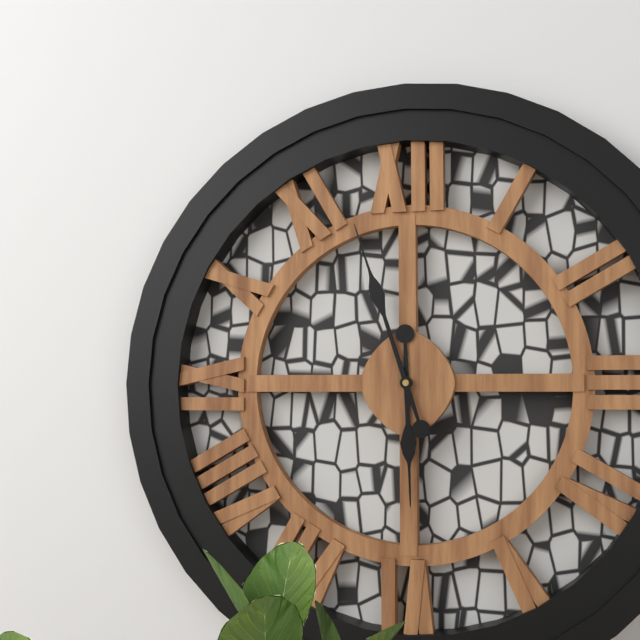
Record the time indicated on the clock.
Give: 5:57
